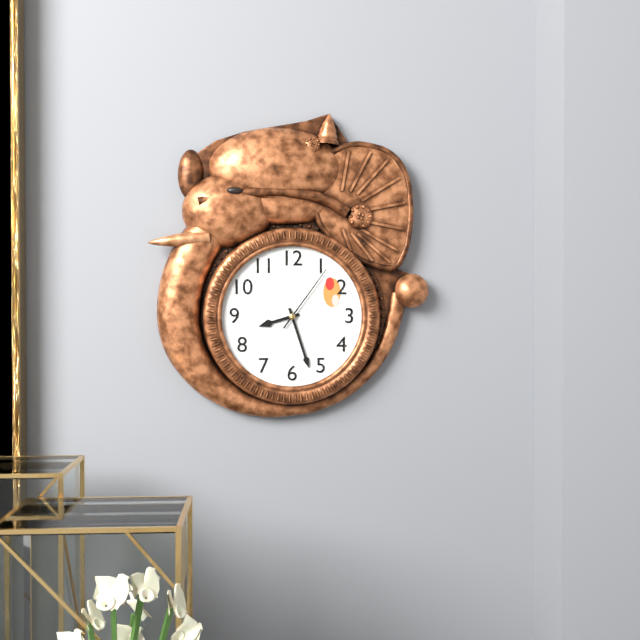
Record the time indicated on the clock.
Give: 8:27:06
